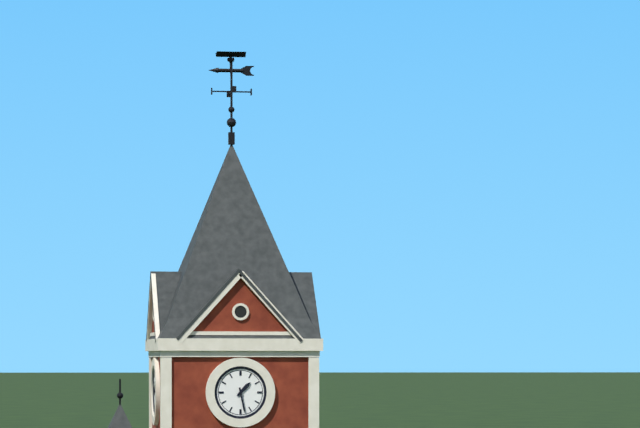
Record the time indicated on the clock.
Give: 1:28
